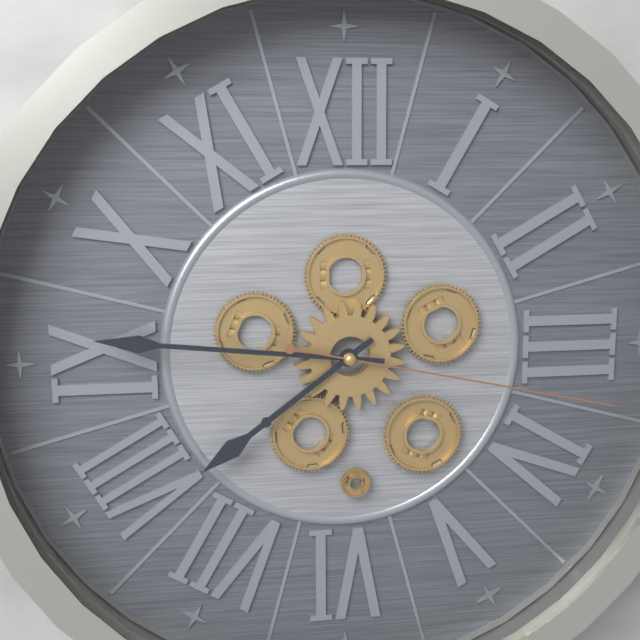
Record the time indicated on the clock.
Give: 7:46:17
